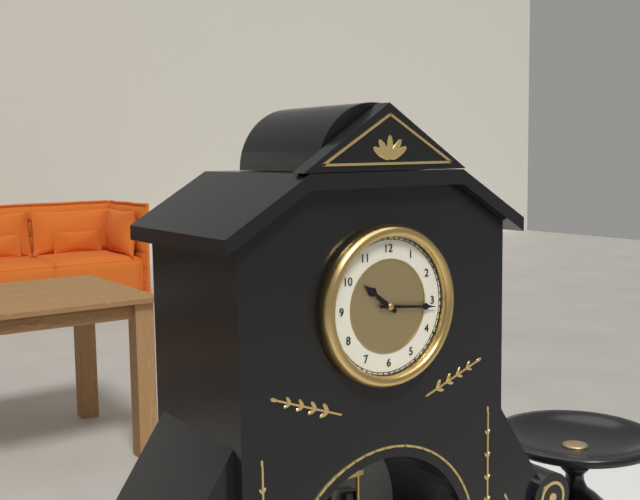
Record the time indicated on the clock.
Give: 10:16
